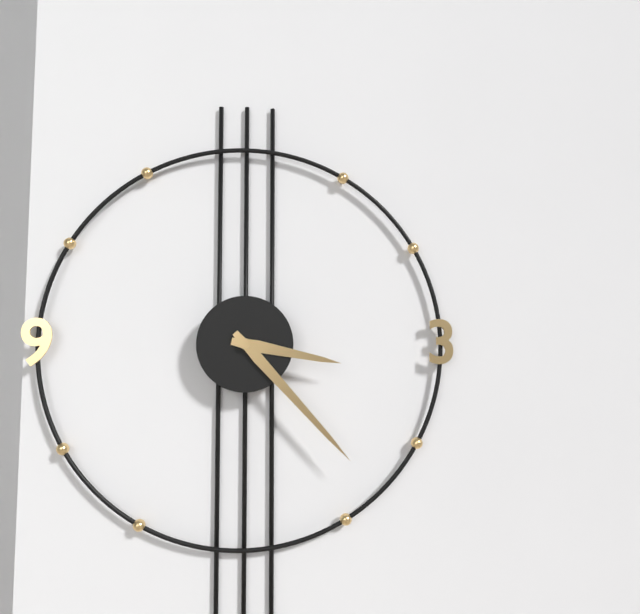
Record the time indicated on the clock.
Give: 3:23
